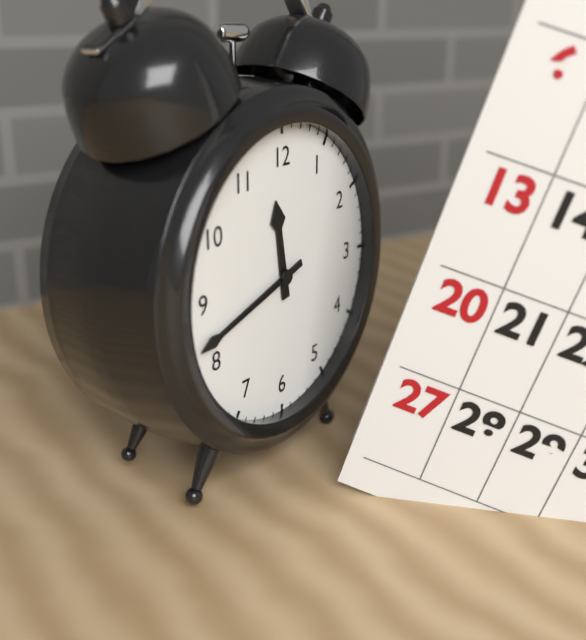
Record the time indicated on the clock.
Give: 11:42
